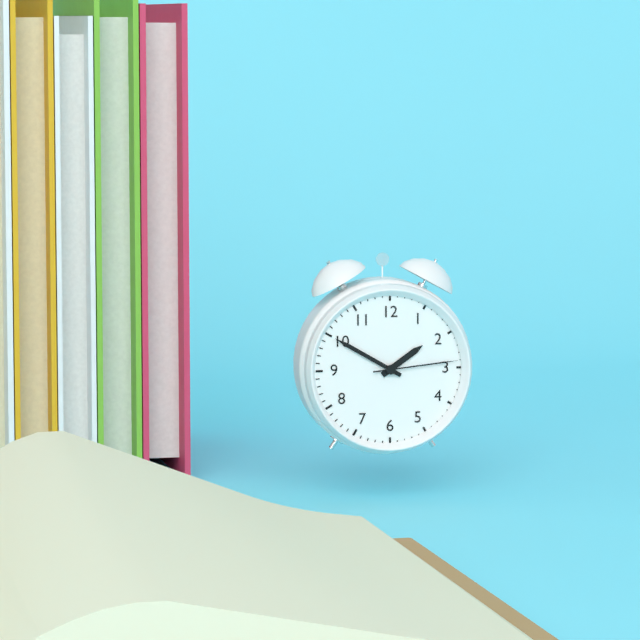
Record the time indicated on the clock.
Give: 1:50:14
